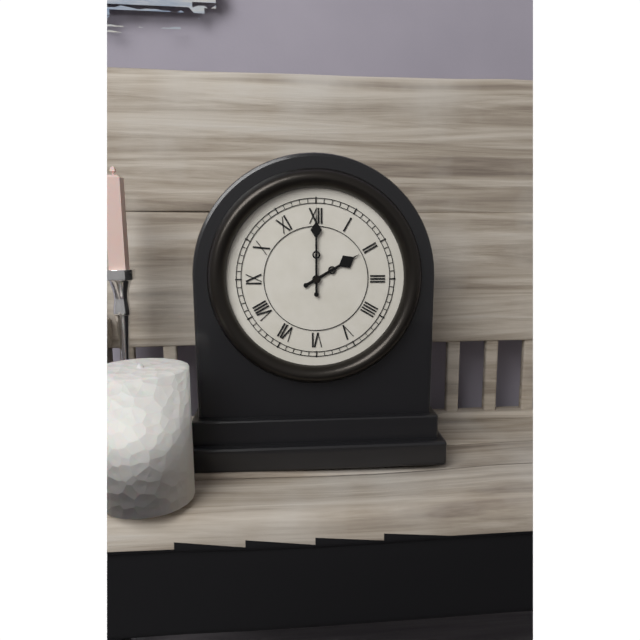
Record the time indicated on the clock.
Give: 2:00
